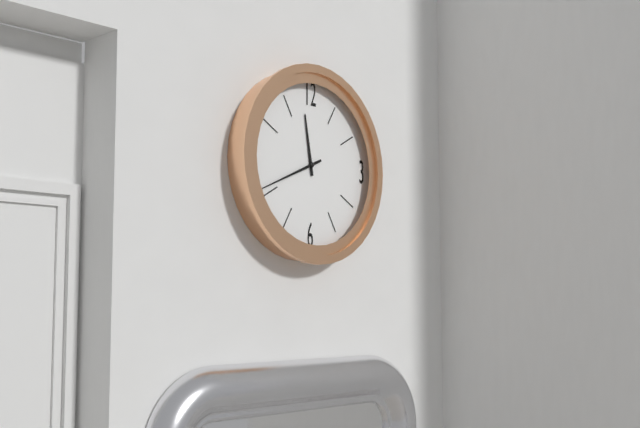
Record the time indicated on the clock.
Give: 11:41
